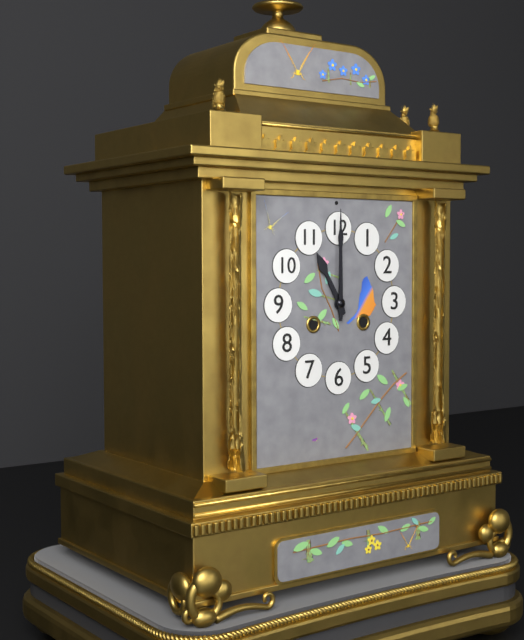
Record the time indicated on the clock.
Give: 11:00
